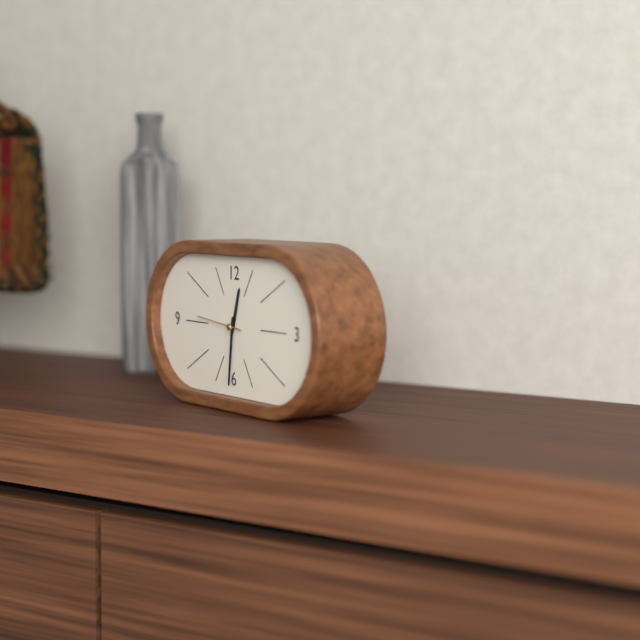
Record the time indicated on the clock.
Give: 12:31
